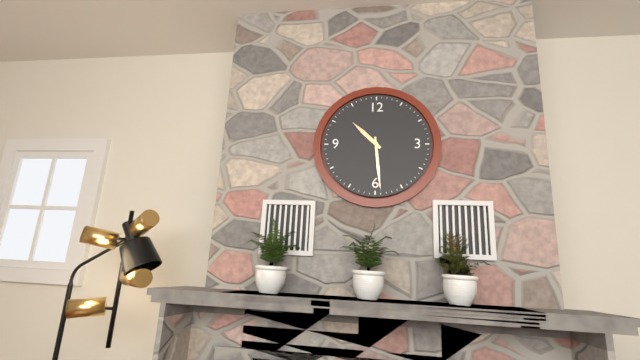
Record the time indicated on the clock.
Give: 10:29
